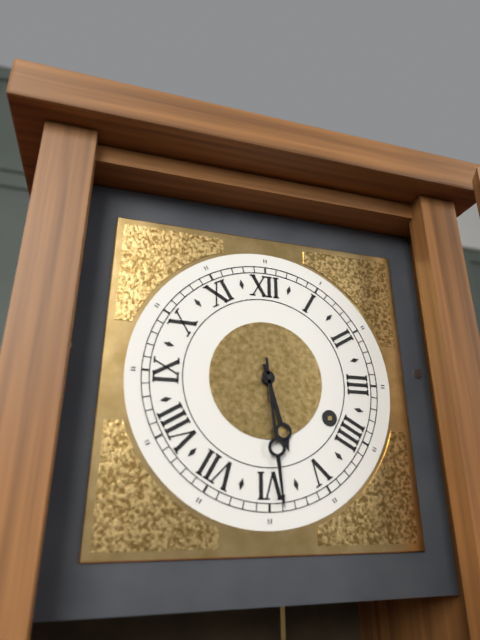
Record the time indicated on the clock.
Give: 5:29
